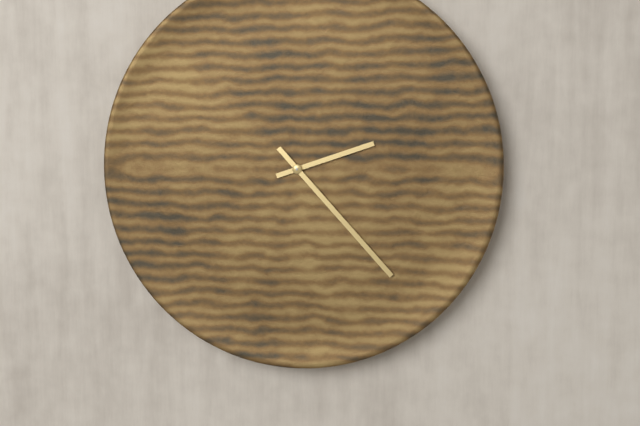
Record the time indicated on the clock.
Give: 2:23
